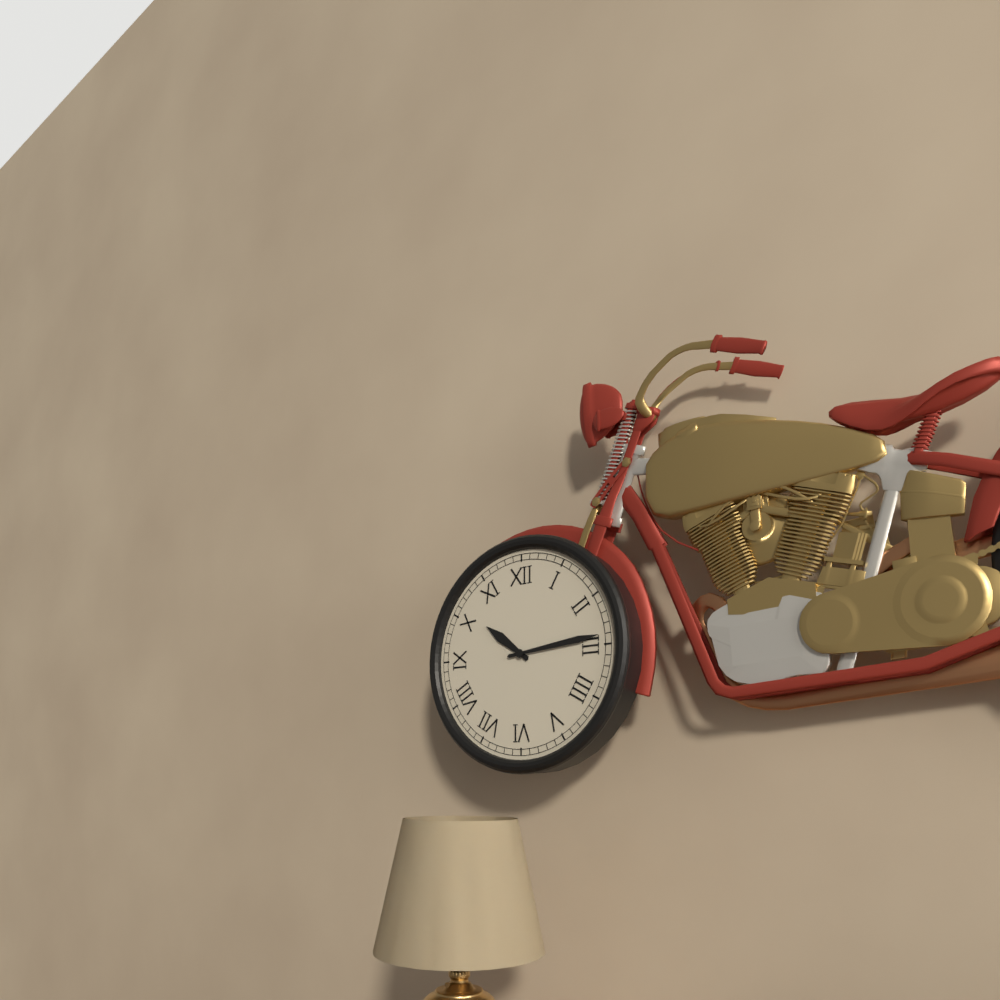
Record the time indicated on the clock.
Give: 10:14
